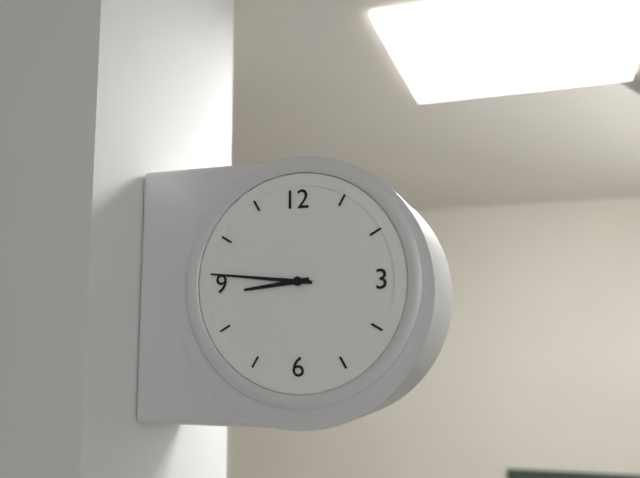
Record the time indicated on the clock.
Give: 8:46
